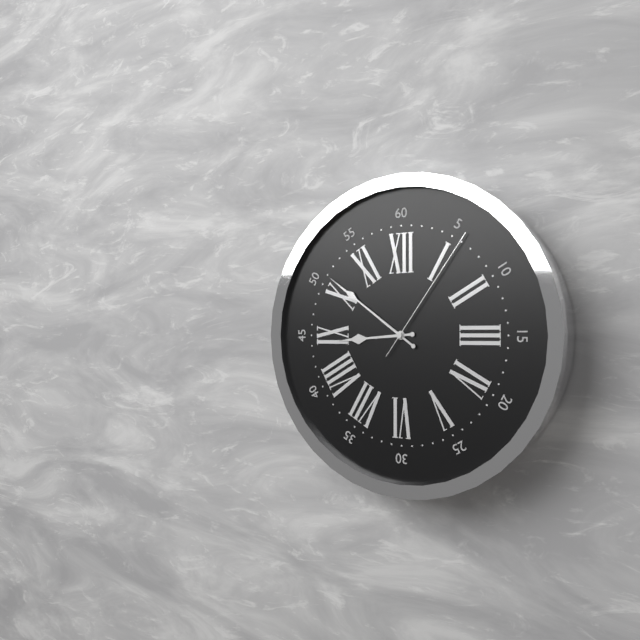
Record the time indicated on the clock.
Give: 8:51:06
